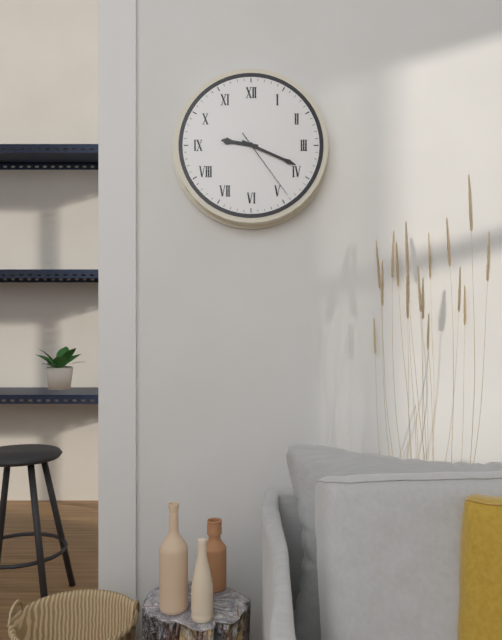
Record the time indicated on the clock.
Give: 9:19:24
